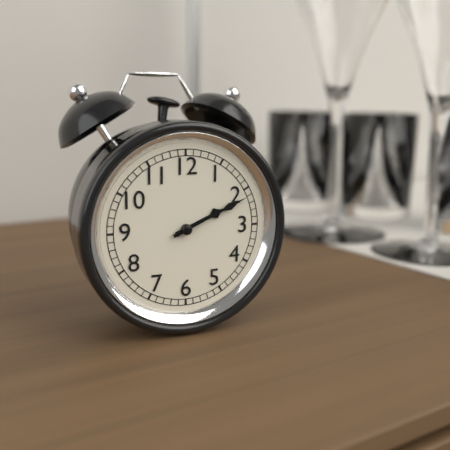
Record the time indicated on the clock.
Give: 2:11
